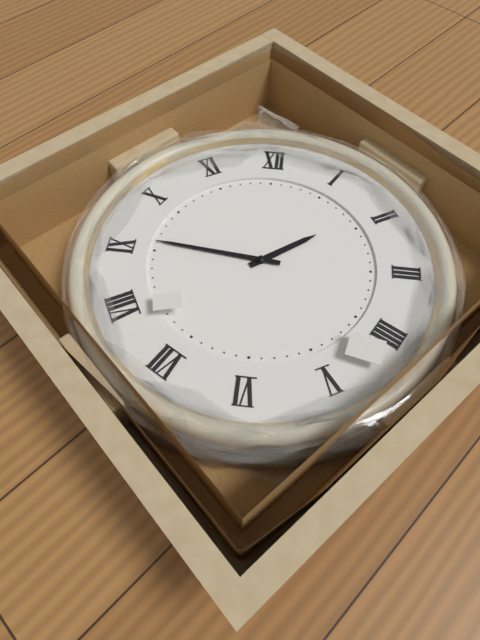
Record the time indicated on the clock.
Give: 1:46
